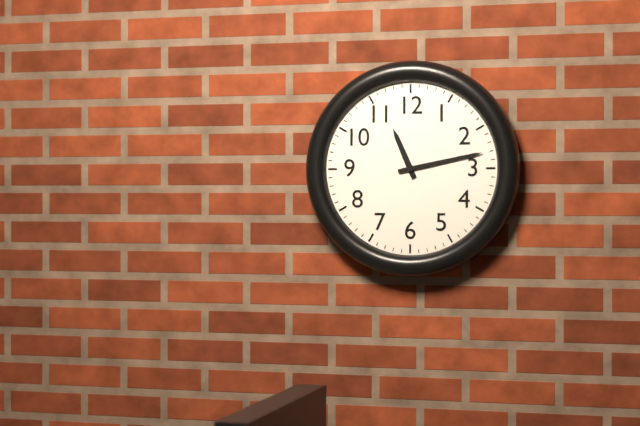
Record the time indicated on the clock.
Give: 11:13
